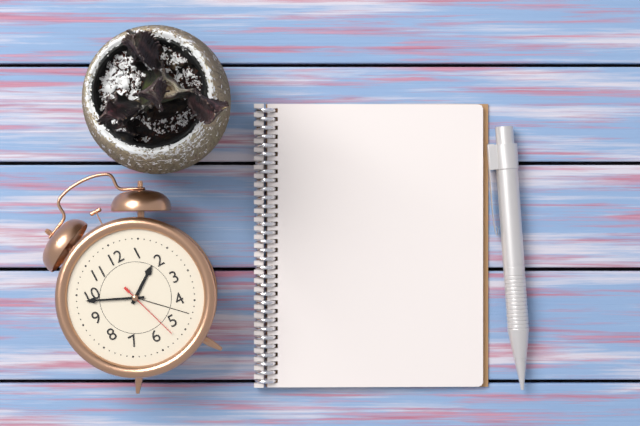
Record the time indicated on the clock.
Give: 1:49:27
